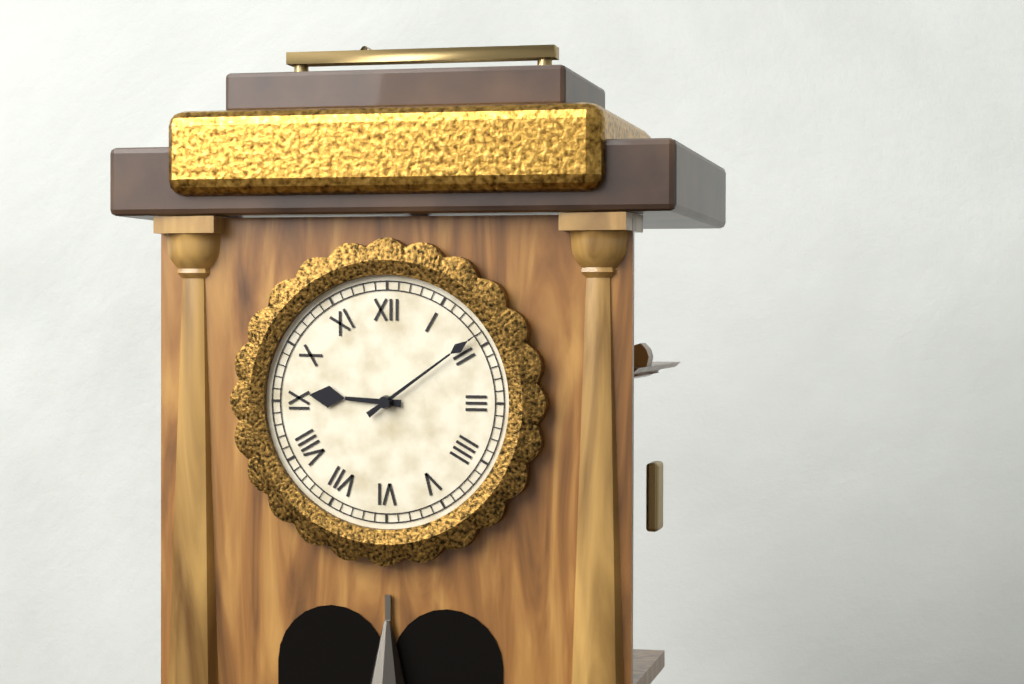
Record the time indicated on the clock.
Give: 9:09
